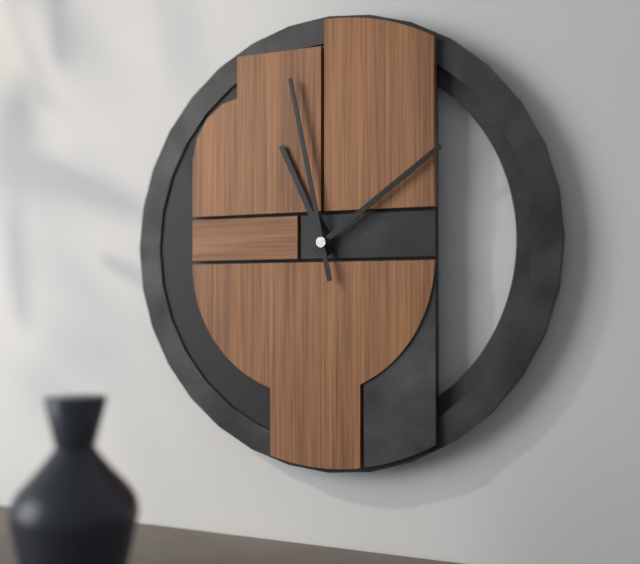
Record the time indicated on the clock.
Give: 11:09:58
